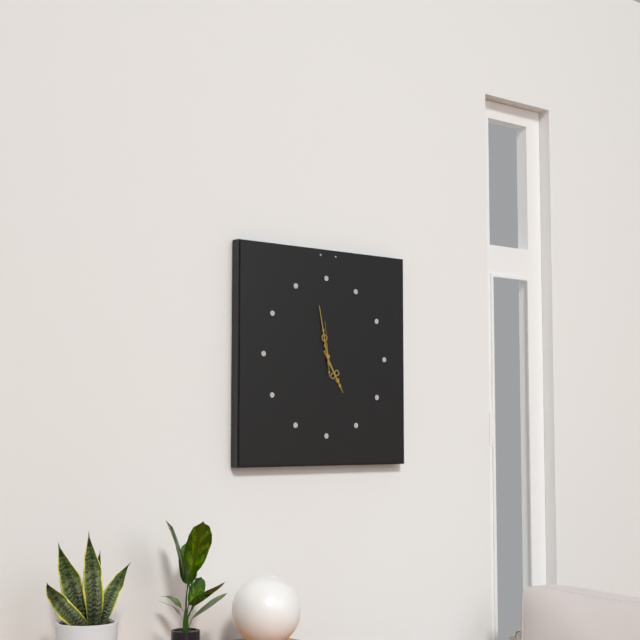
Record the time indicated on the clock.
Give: 4:58
